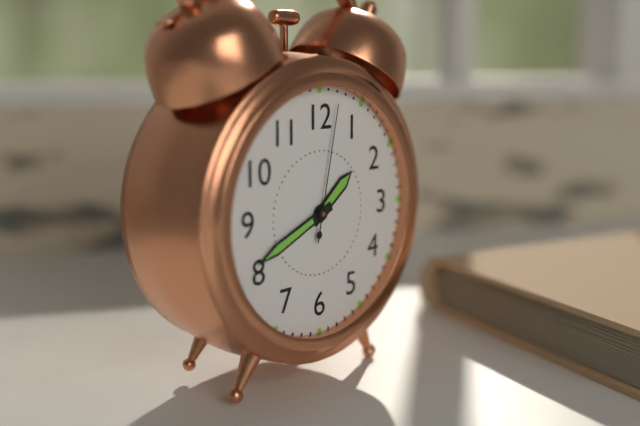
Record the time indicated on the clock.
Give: 1:41:02
